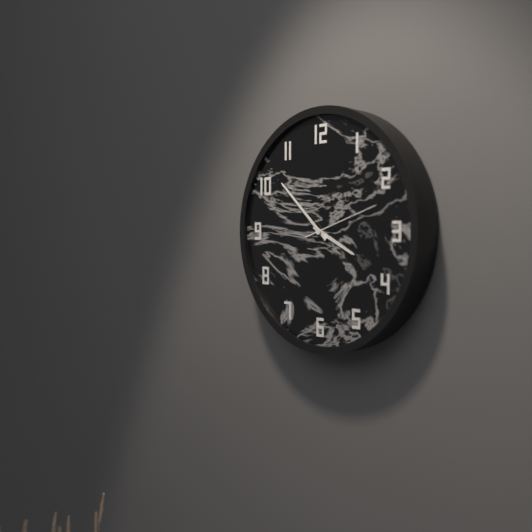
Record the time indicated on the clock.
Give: 3:52:12
